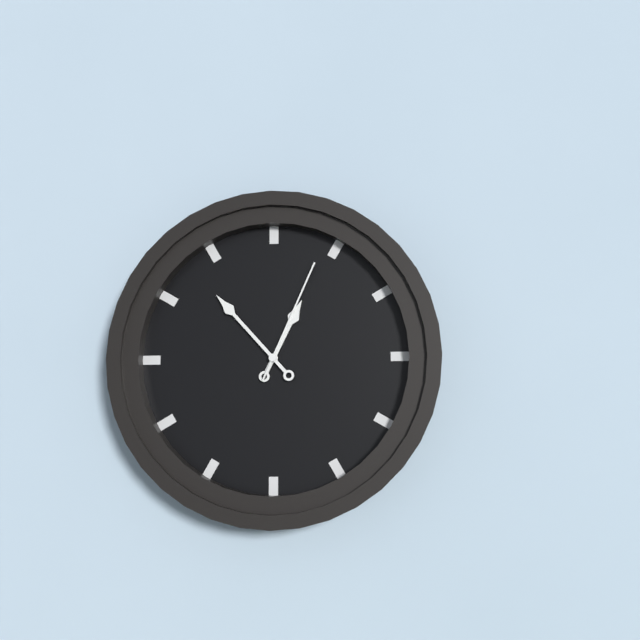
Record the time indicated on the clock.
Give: 12:53:04
